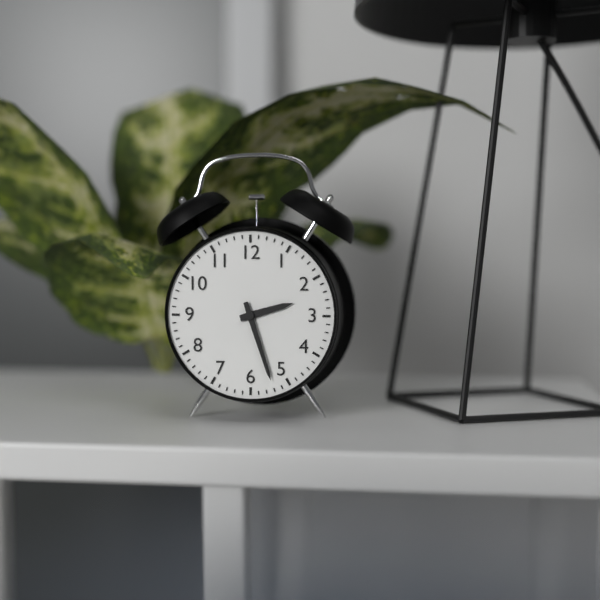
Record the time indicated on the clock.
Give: 2:27
